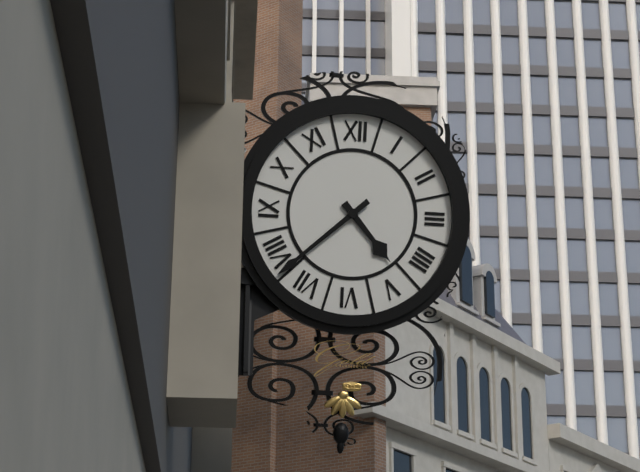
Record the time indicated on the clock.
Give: 4:38
